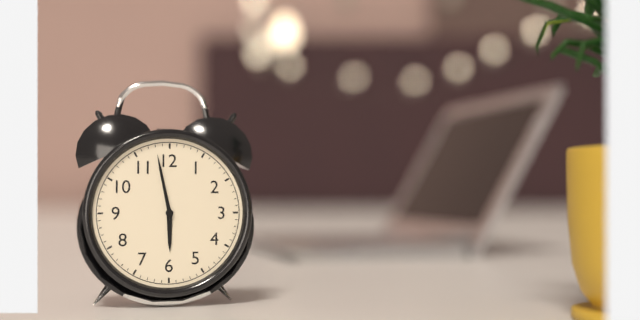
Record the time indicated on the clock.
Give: 5:58
